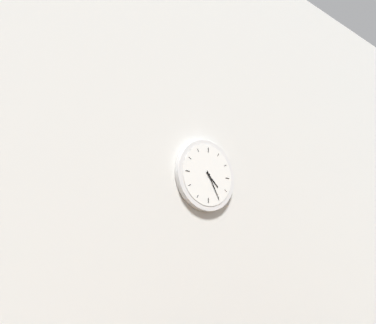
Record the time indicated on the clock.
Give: 4:25
